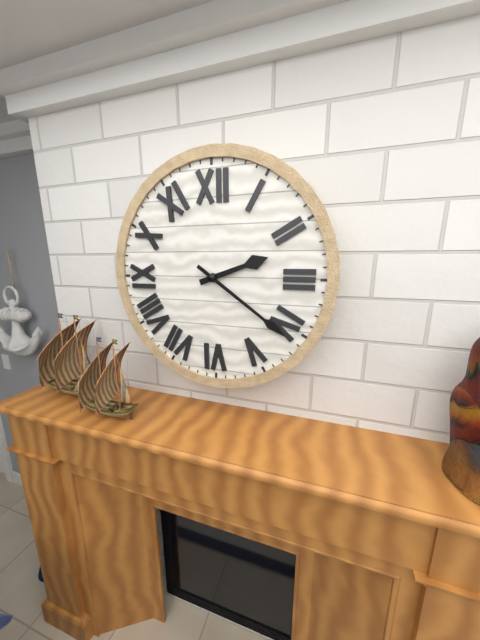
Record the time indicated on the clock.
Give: 2:21
